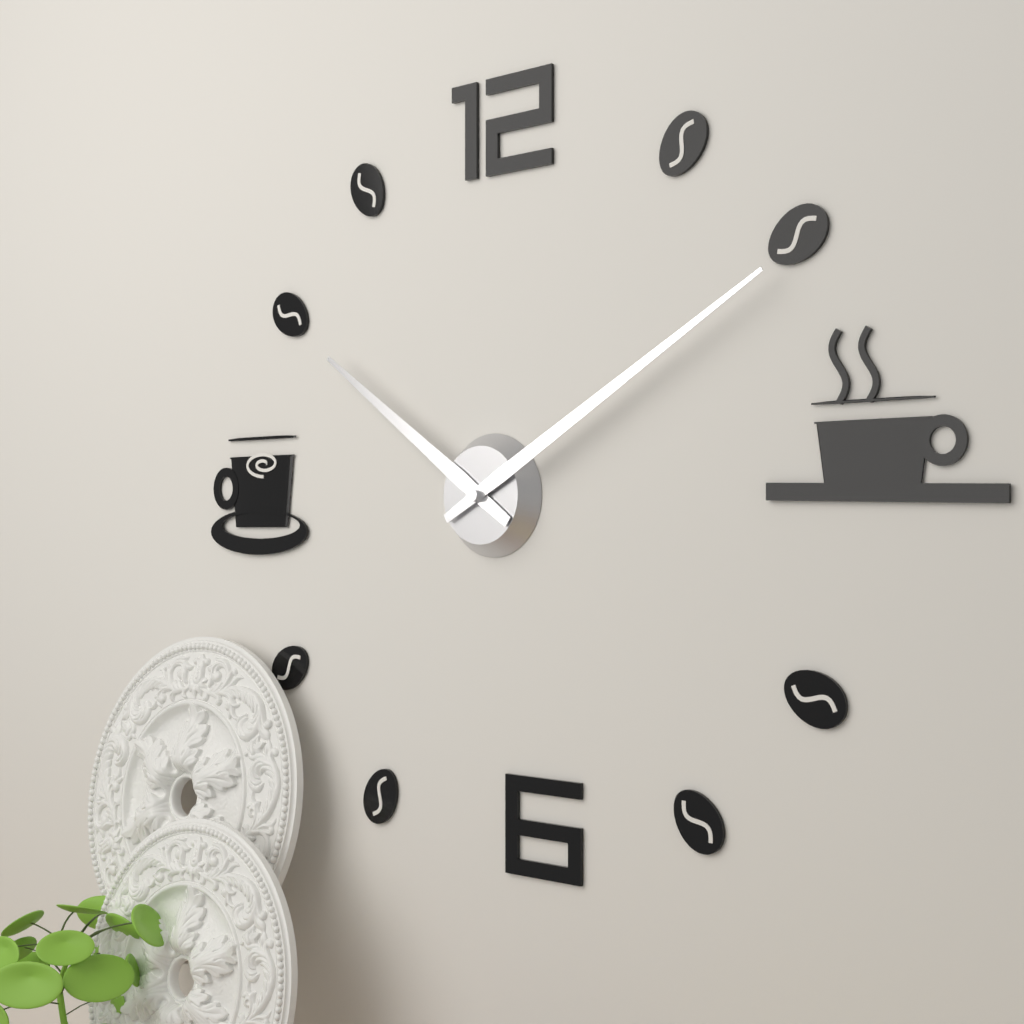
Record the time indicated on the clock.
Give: 10:10
